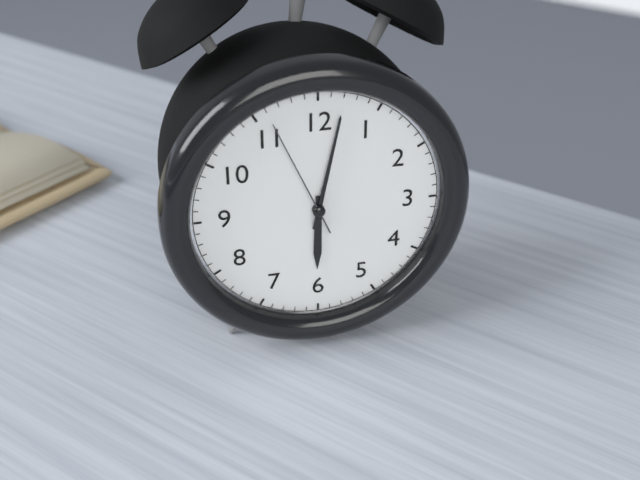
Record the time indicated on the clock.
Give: 6:02:56
